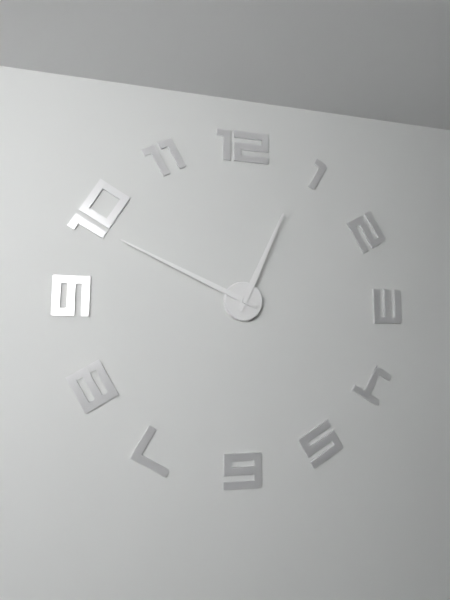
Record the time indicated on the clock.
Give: 12:49
